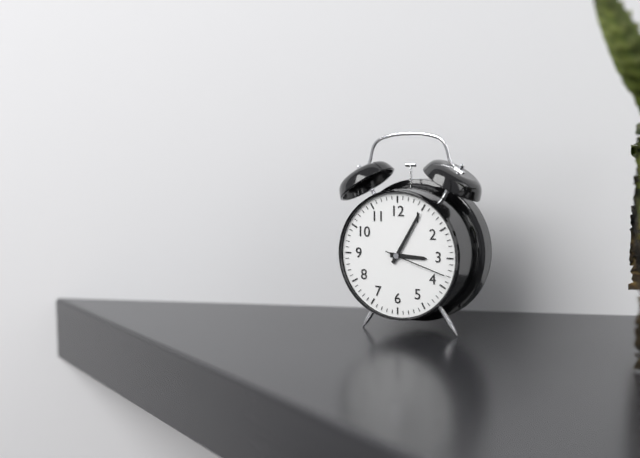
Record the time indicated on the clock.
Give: 3:05:18
